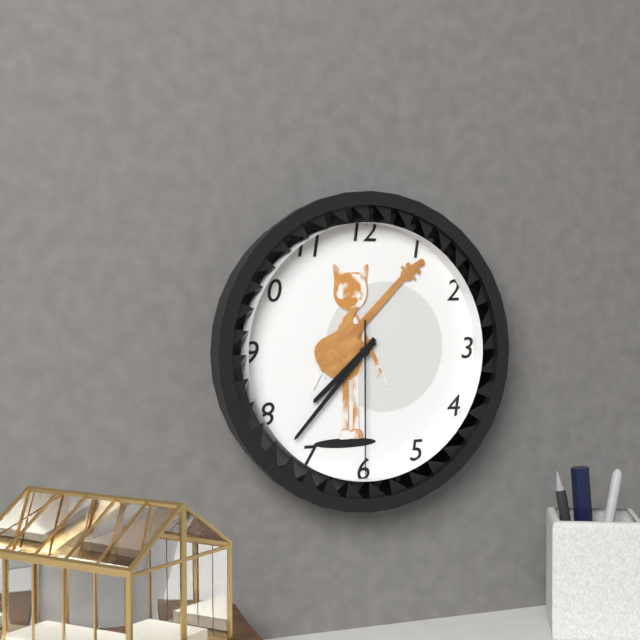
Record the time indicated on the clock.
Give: 7:37:30
